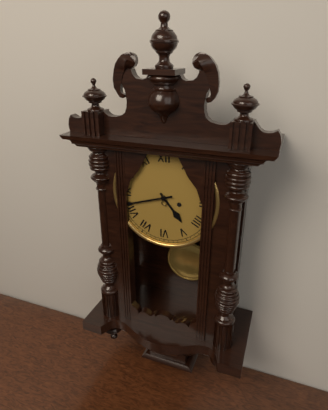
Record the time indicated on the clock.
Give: 4:42
